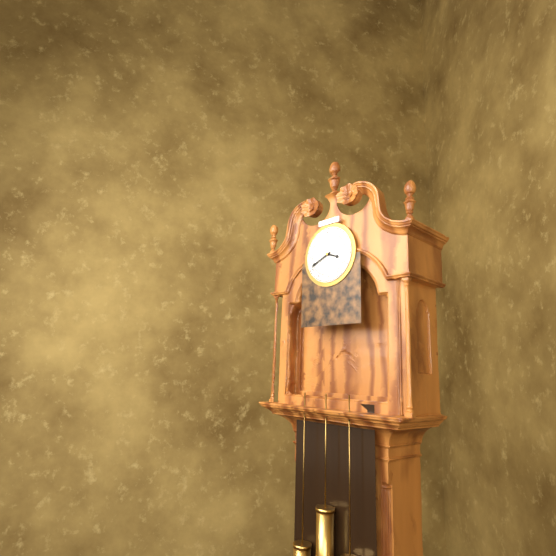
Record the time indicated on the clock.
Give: 3:41
